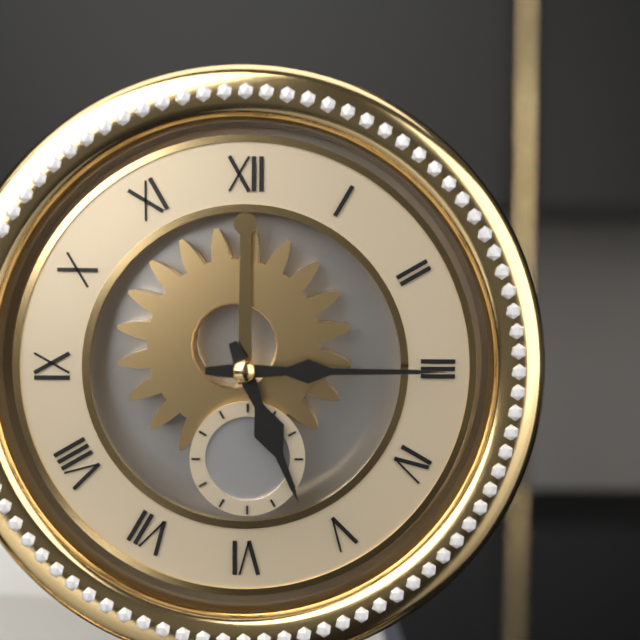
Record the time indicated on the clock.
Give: 5:15
